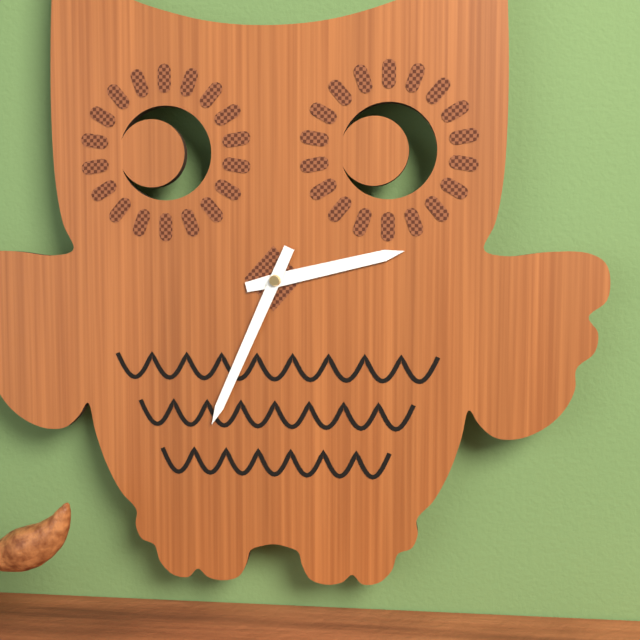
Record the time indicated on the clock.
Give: 2:34
